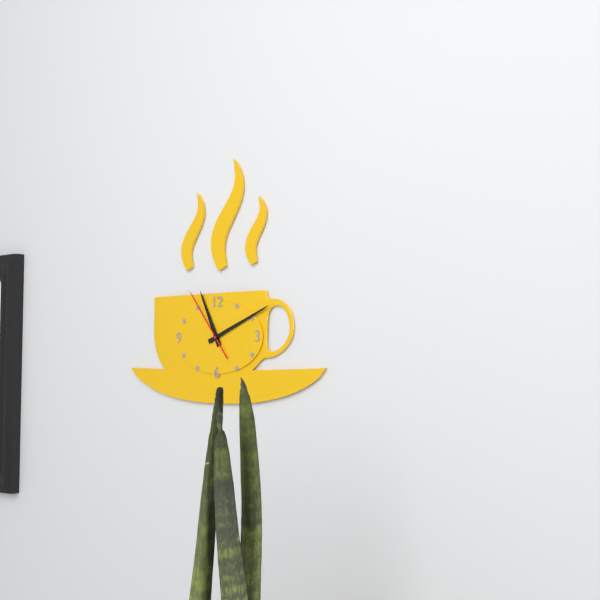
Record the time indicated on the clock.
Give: 11:11:54
